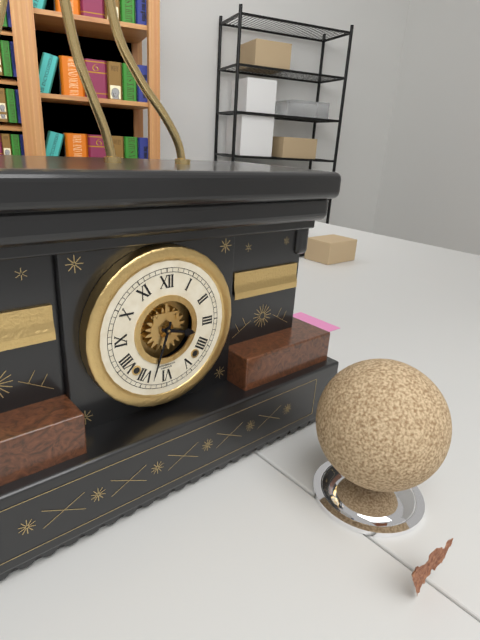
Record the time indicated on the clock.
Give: 3:33
